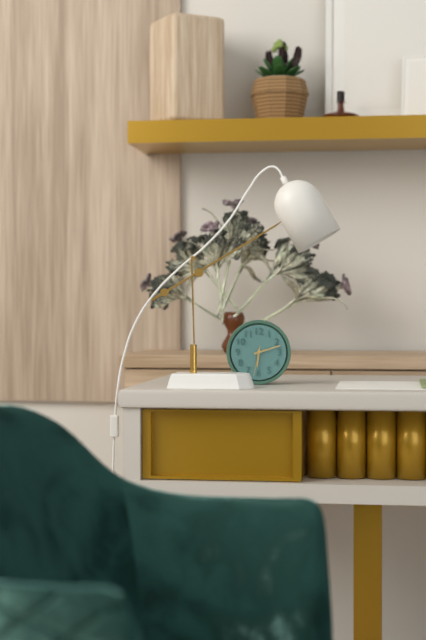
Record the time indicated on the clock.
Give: 6:12
